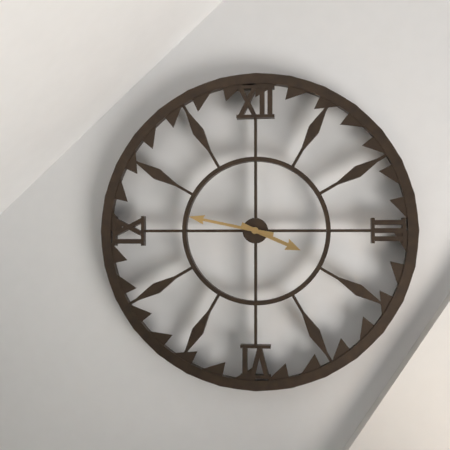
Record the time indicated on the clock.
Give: 3:47
